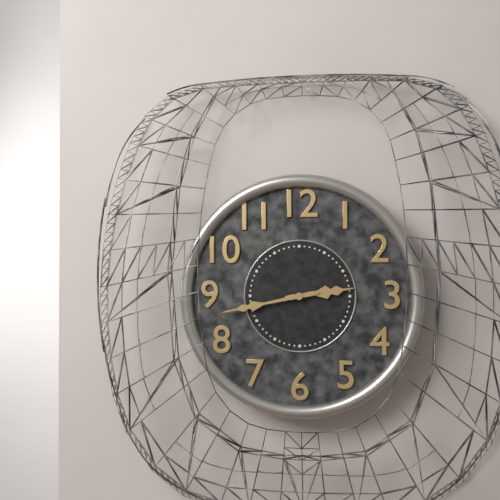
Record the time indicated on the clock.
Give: 2:43
